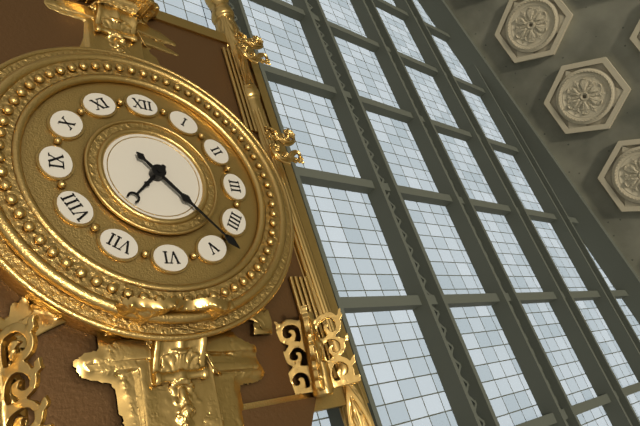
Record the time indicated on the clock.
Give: 7:23
